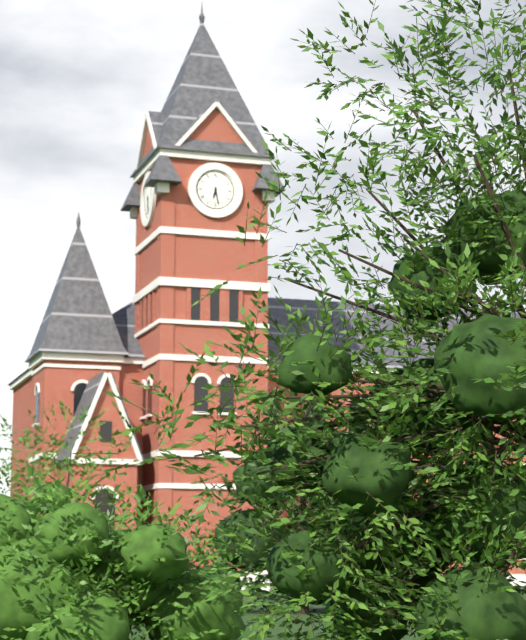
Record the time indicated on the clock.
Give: 6:28
